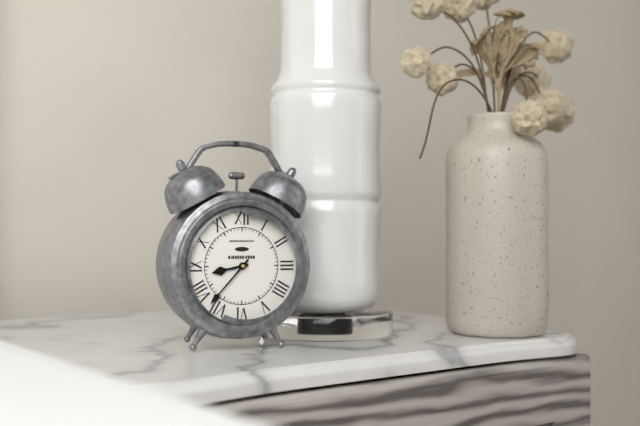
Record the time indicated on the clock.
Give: 8:37
